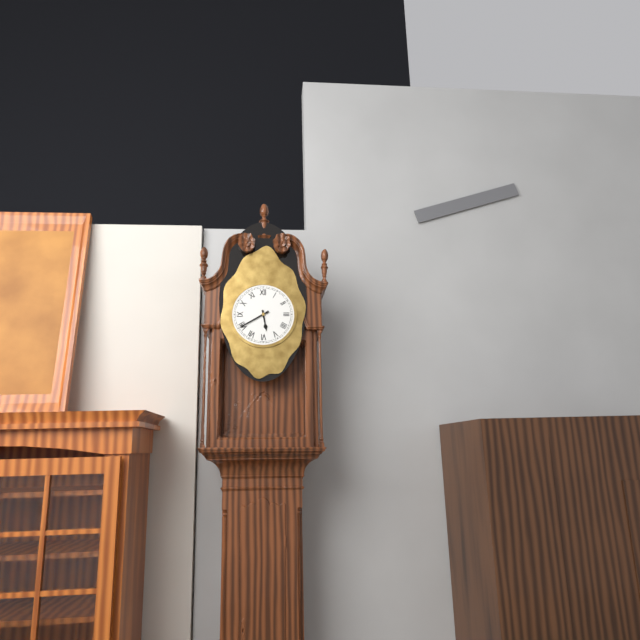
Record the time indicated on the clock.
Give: 5:40
